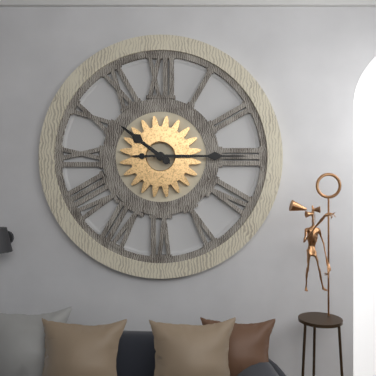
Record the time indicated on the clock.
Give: 10:15
